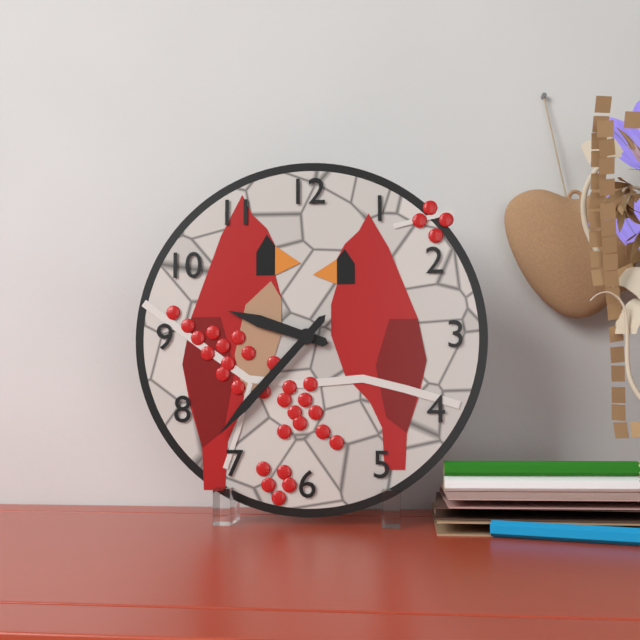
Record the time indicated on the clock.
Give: 9:37
